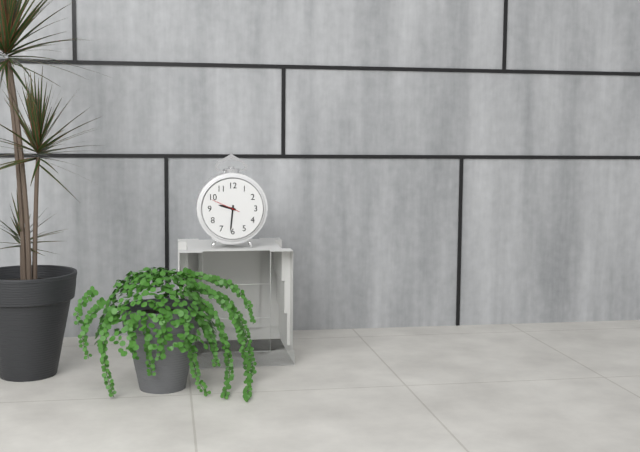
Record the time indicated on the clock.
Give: 9:31
